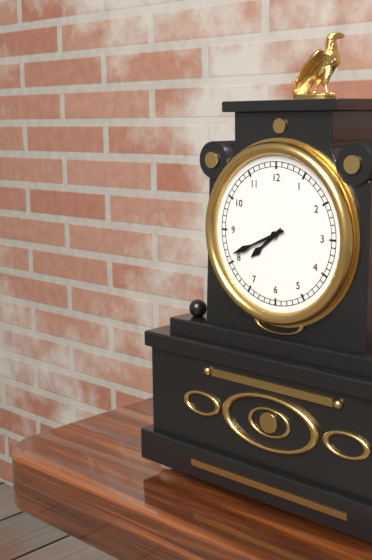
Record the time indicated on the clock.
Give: 7:41
